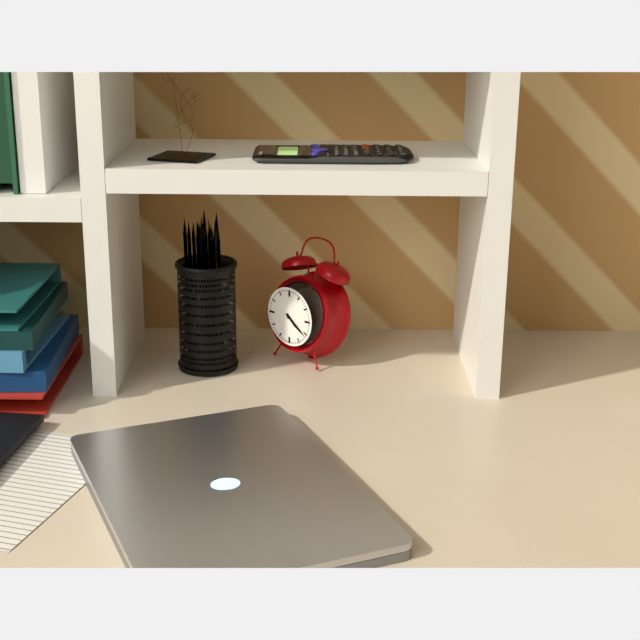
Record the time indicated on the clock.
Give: 4:21
